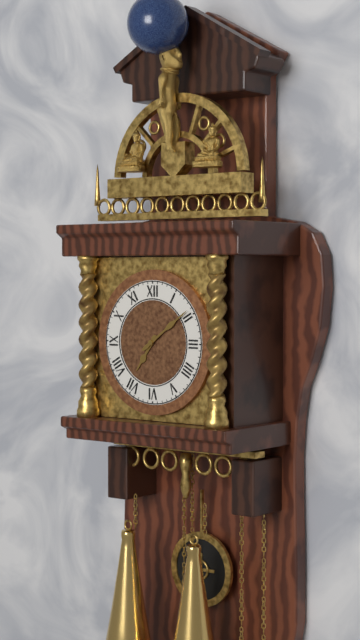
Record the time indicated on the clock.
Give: 7:09
